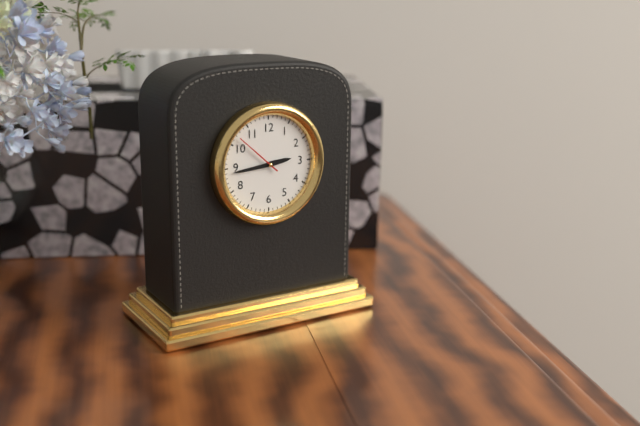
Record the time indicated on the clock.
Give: 2:44
